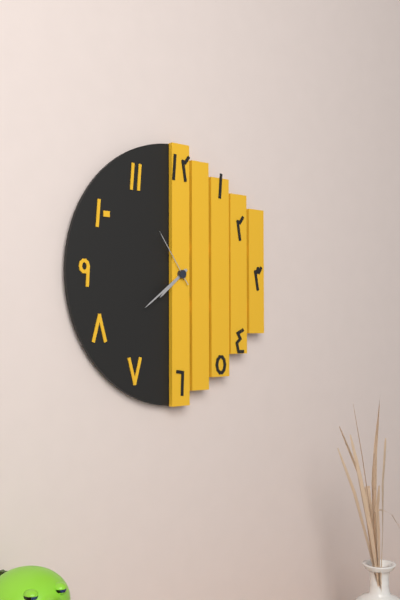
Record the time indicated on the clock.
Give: 7:39:54
